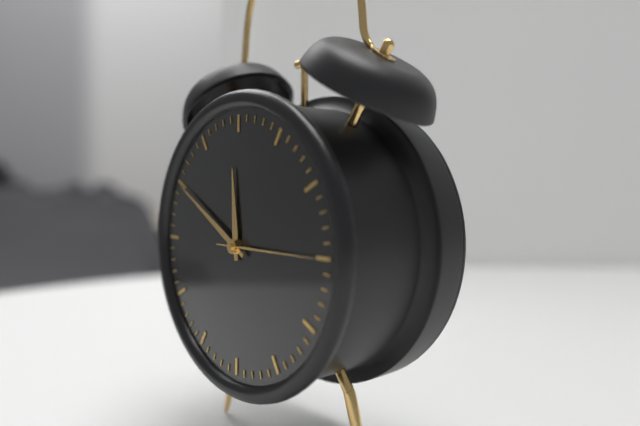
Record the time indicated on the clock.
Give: 11:50:15
